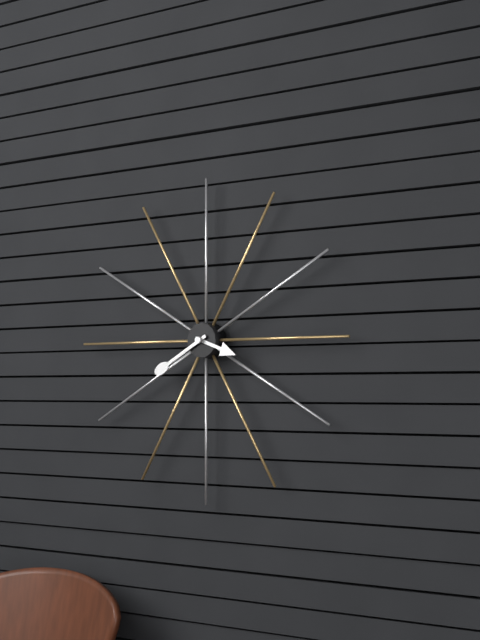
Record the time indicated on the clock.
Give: 3:40
